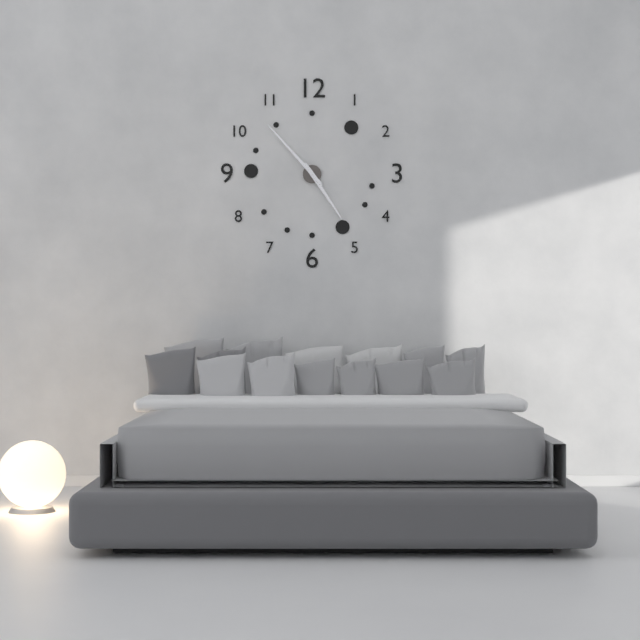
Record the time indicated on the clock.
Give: 4:53
